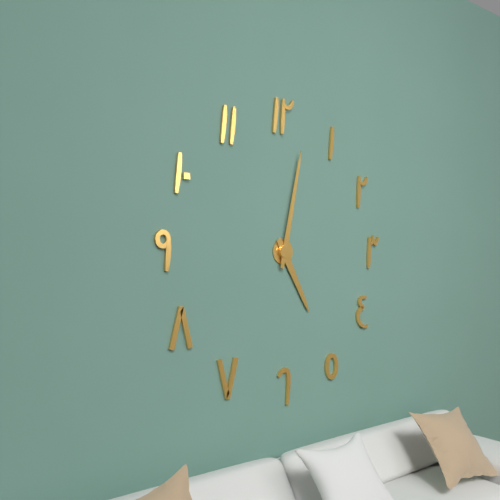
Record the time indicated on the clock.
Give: 5:02
